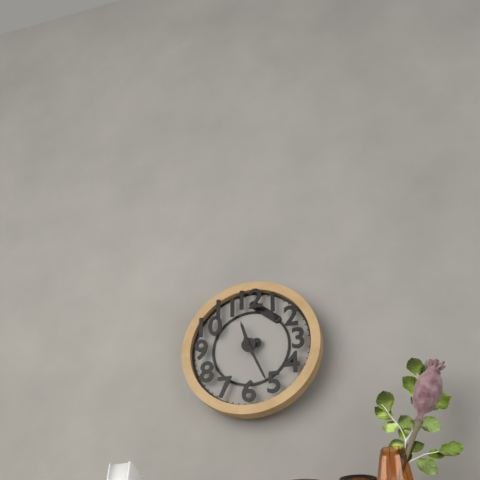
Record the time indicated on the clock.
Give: 11:26
